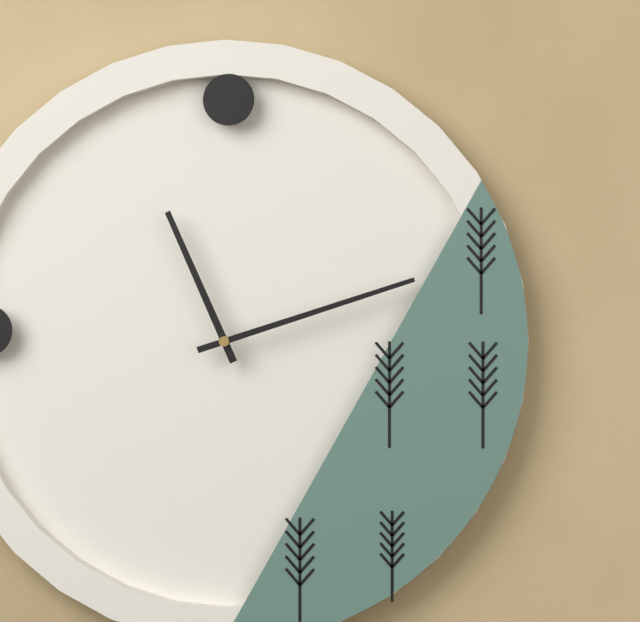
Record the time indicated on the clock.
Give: 11:12
